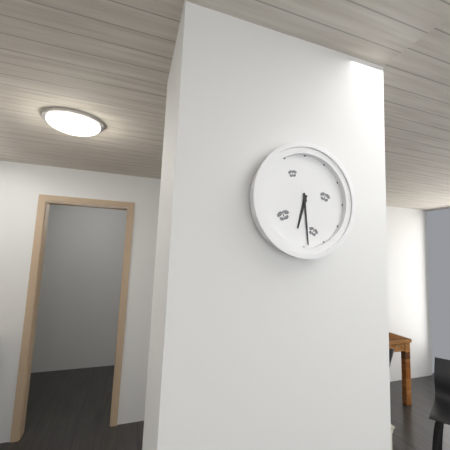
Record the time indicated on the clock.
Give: 6:29
